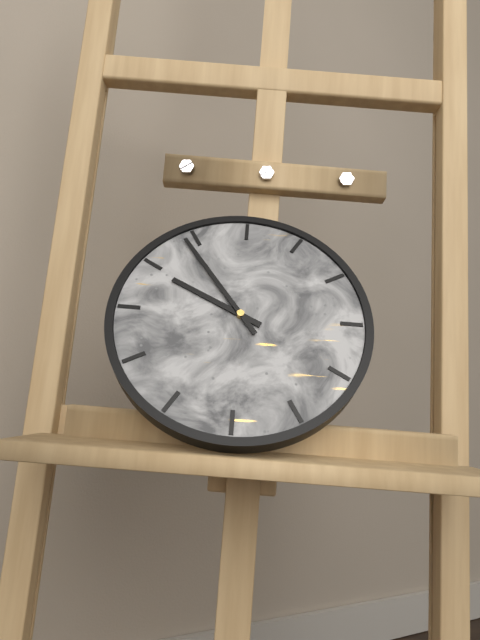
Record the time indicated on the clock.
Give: 9:54
